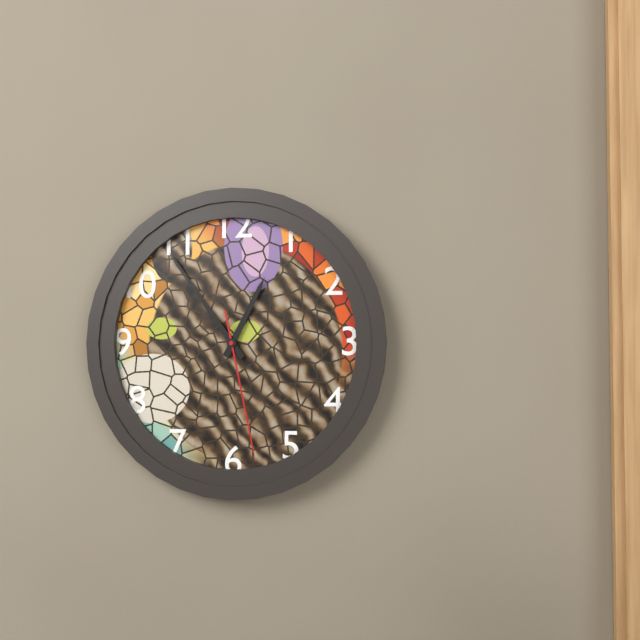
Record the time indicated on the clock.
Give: 12:54:28
